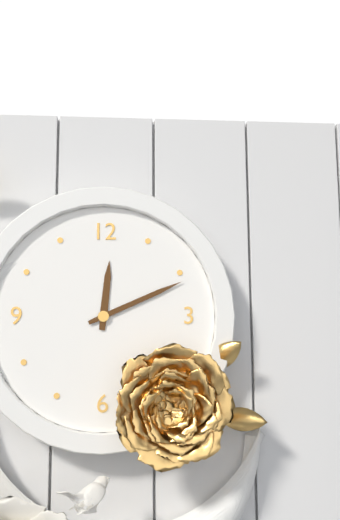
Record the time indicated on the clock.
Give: 12:11
